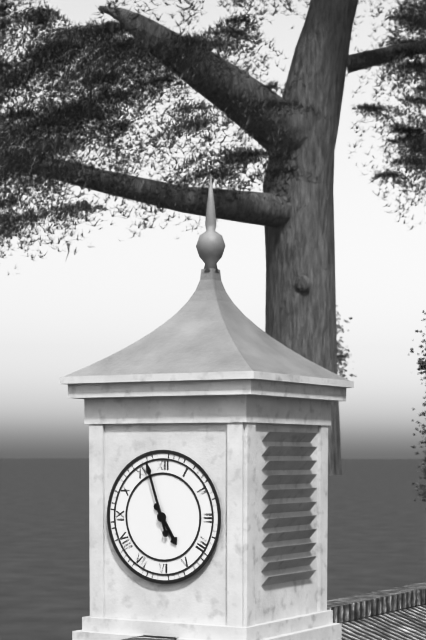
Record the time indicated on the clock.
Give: 4:57
